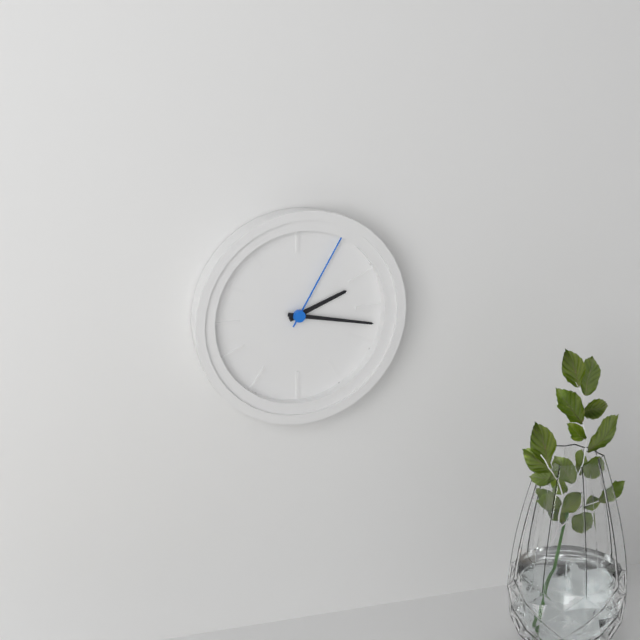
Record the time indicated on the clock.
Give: 2:17:05
